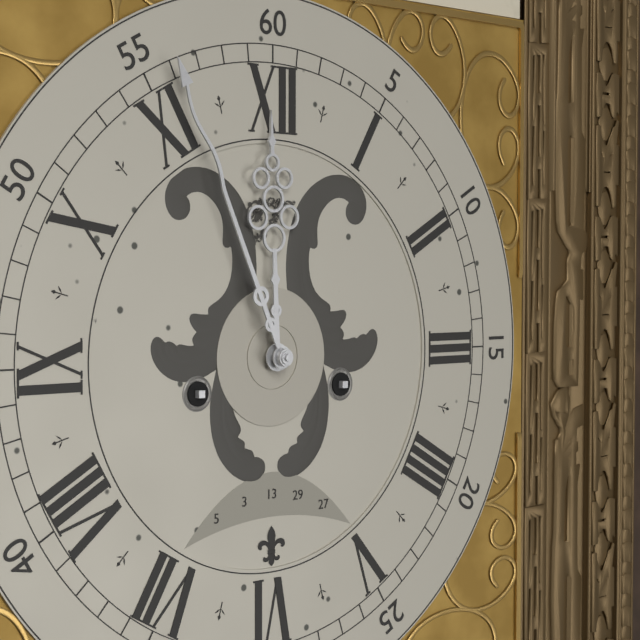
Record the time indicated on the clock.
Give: 11:56
